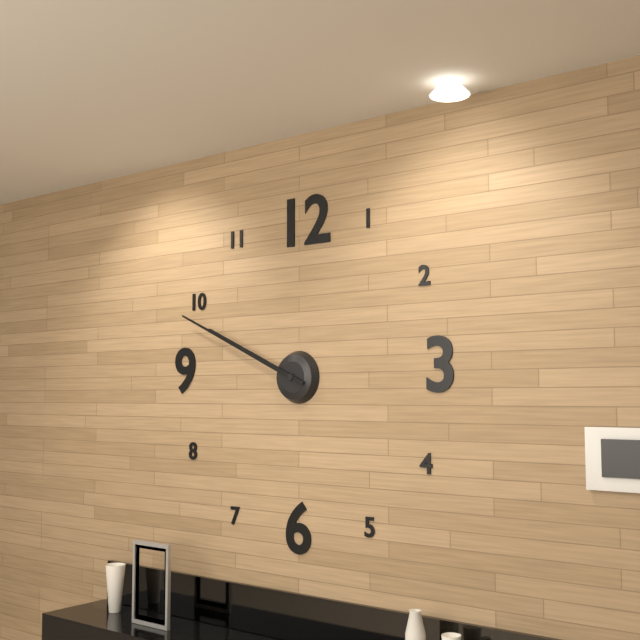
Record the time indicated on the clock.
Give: 9:49
